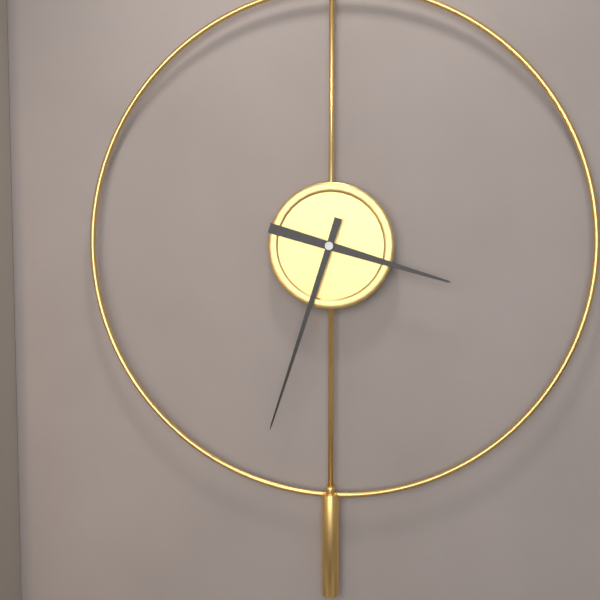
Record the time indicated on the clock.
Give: 3:33
